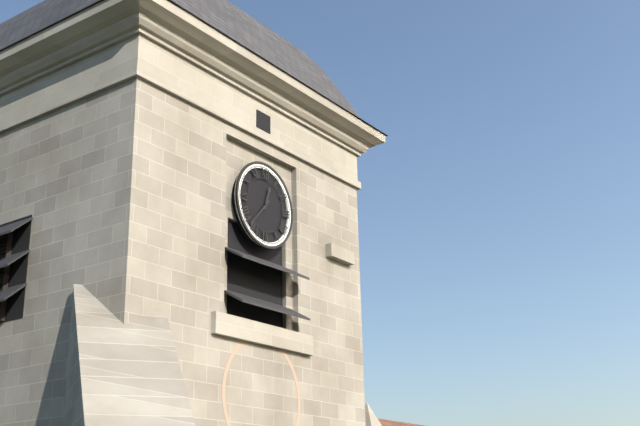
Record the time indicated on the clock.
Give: 12:37
